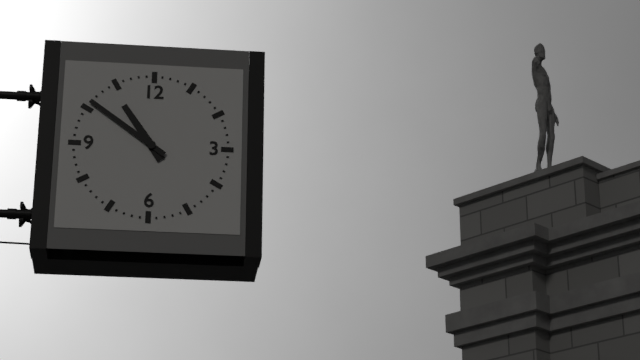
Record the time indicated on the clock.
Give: 10:51
